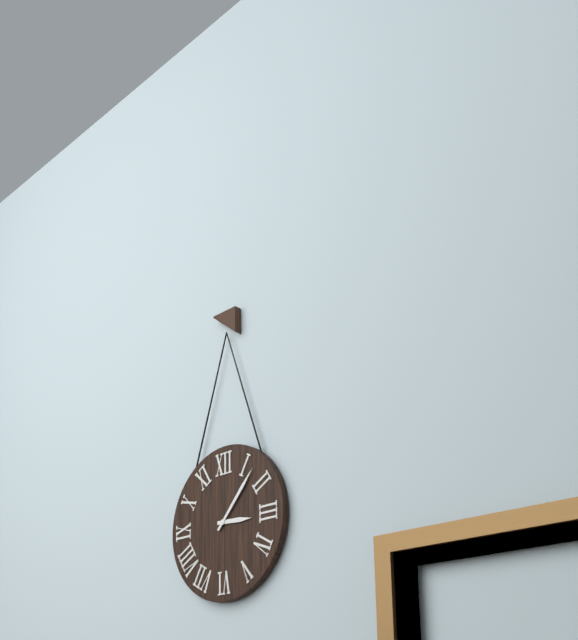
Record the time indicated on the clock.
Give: 3:07
